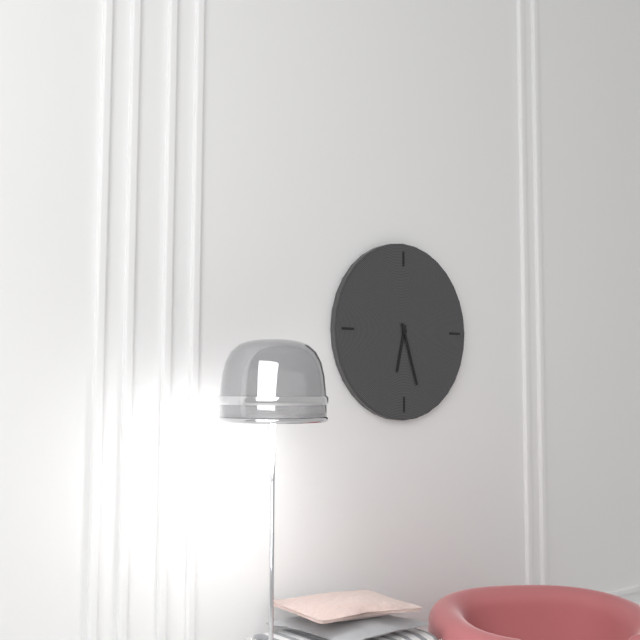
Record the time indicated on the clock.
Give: 6:27
